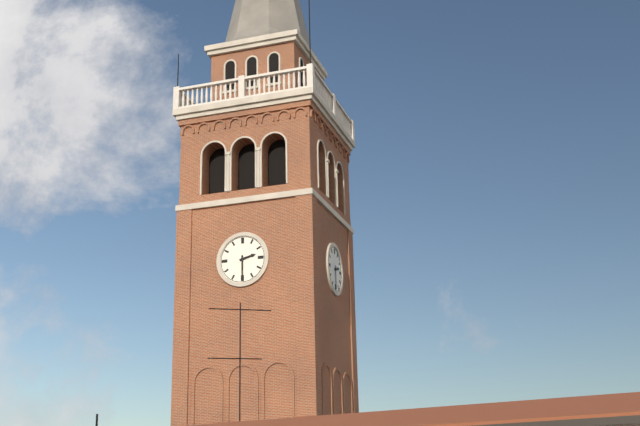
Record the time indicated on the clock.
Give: 2:30
